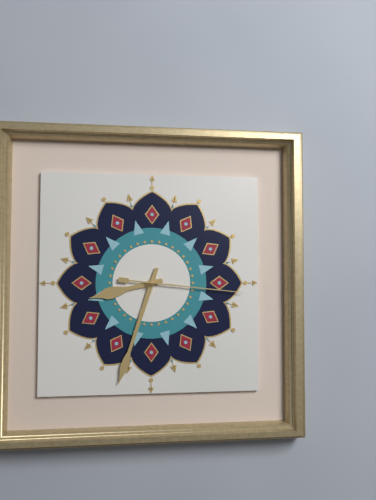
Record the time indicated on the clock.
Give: 8:33:16
